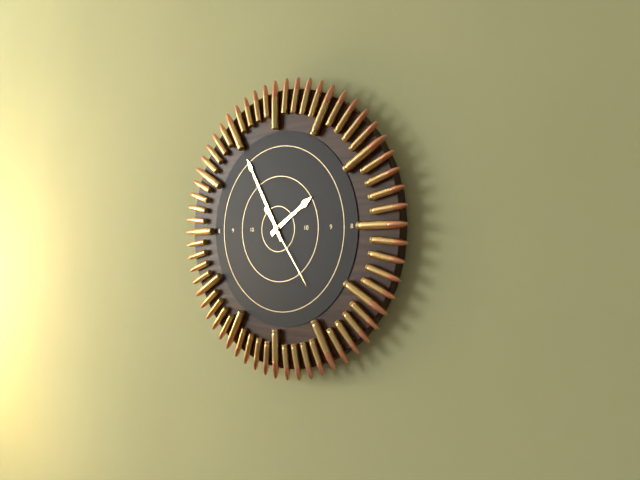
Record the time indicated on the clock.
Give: 1:55:24
